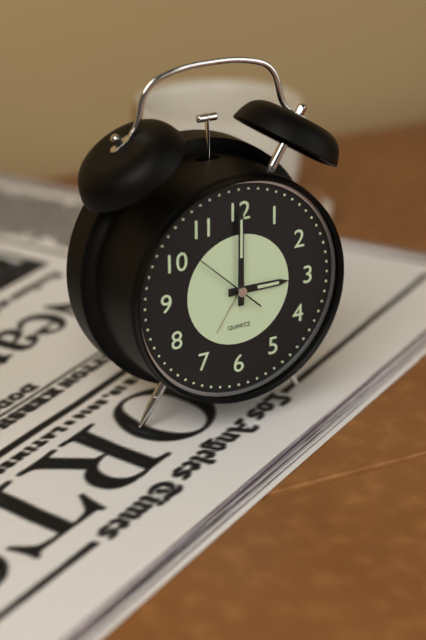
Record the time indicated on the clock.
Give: 3:00:52
